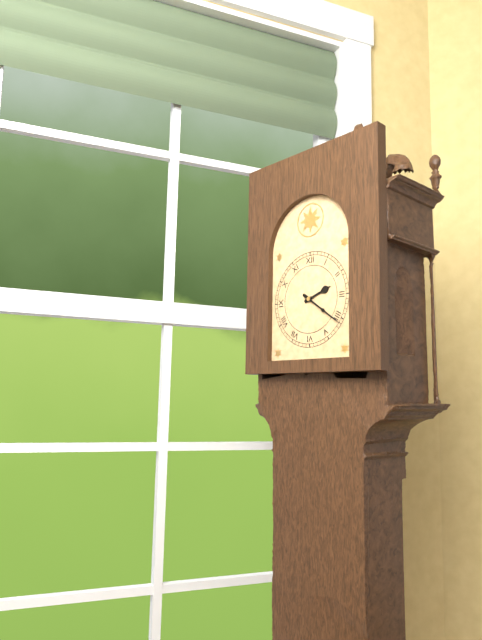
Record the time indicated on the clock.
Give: 2:21
